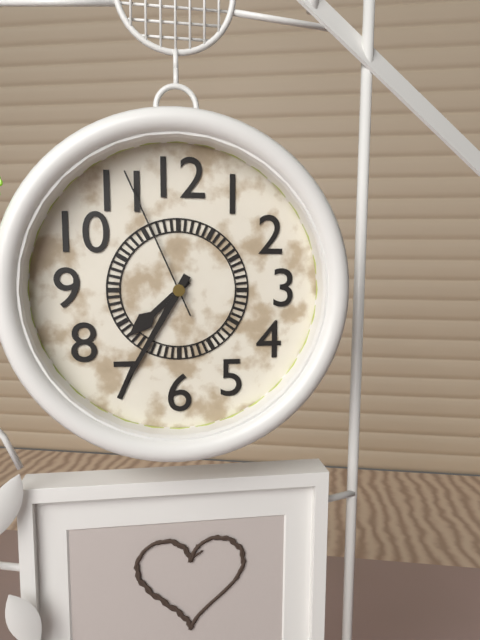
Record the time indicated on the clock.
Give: 7:35:56
